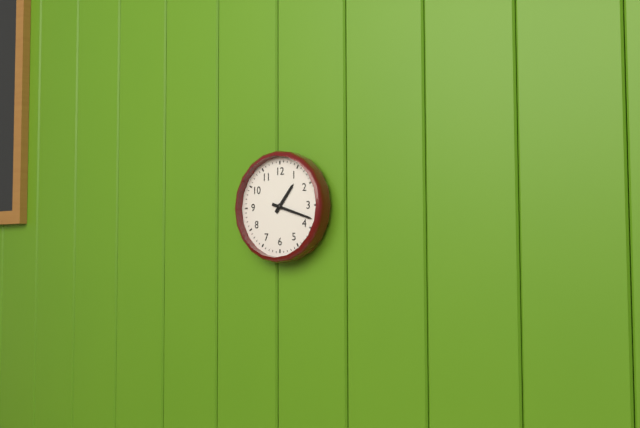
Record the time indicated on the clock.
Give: 1:18
